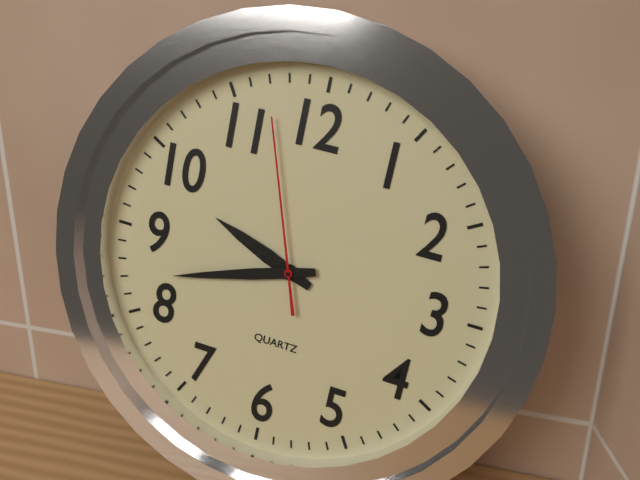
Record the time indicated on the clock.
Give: 9:42:57
